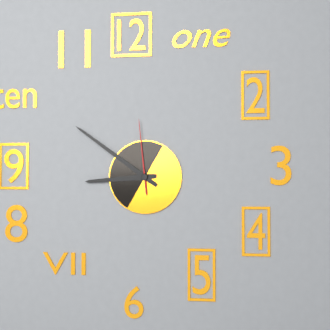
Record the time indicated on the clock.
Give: 8:51:59
